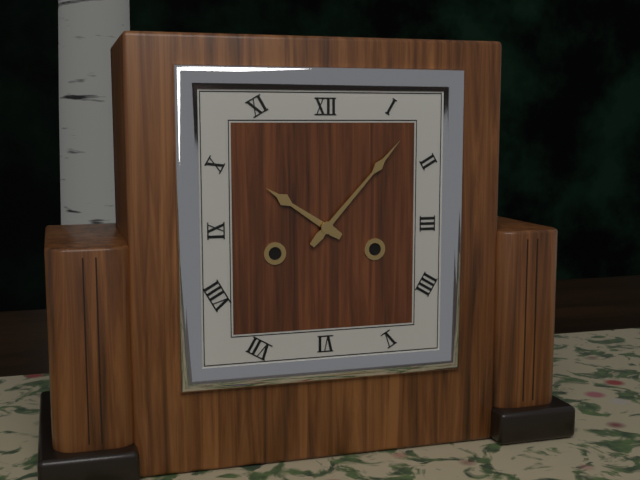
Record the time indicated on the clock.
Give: 10:07
